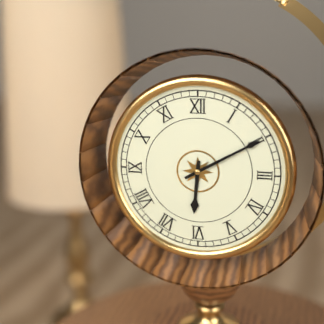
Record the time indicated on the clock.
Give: 6:10
